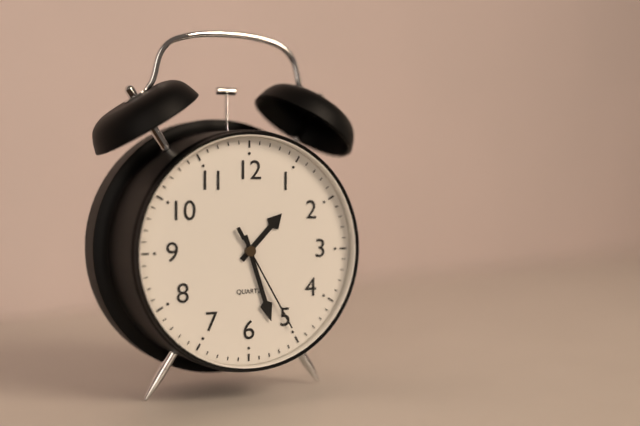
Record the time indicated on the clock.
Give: 1:27:25
